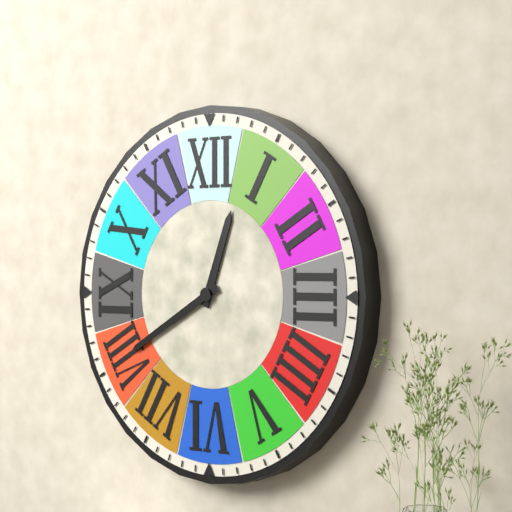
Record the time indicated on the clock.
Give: 12:40
